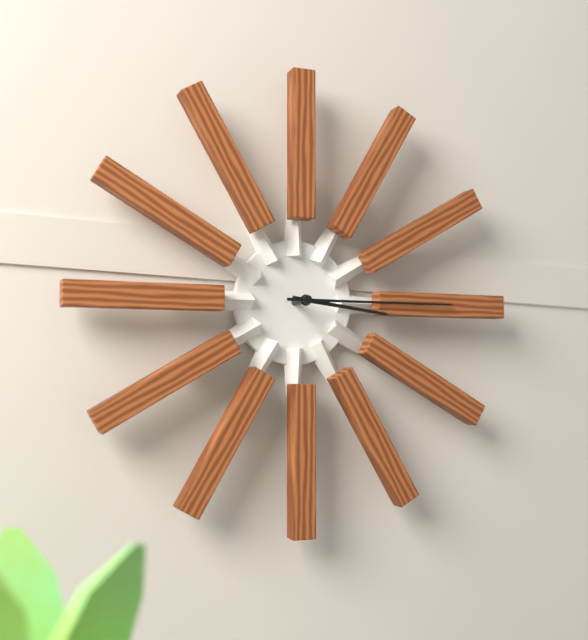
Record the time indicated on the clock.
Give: 3:15
